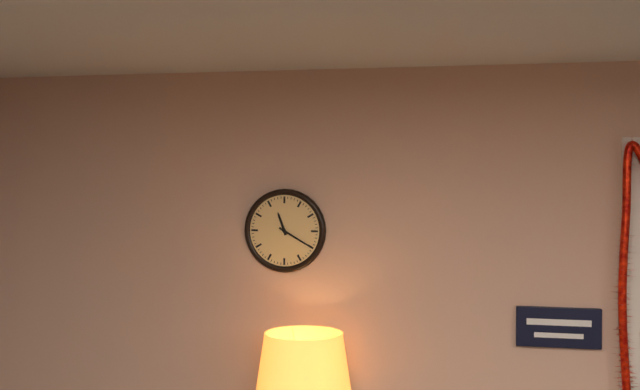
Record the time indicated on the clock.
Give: 11:20
